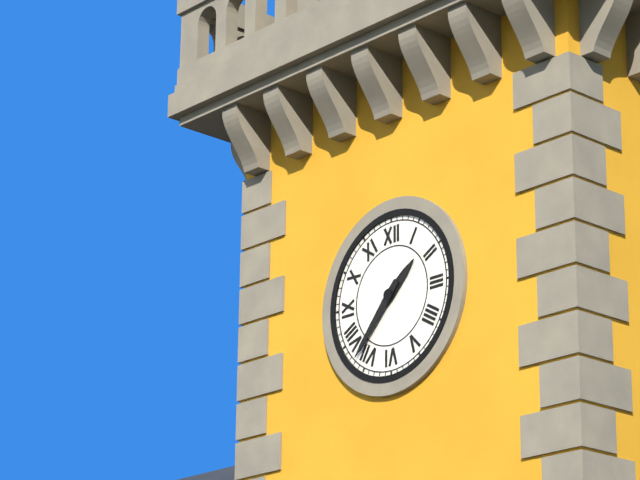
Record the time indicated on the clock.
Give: 1:37
